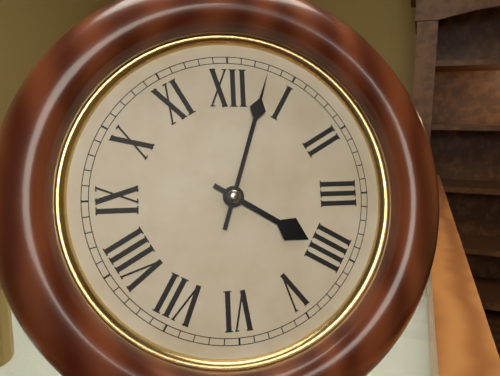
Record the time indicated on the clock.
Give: 4:03
